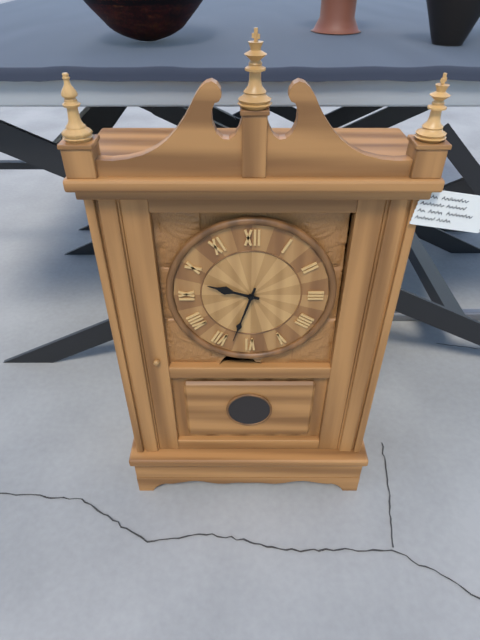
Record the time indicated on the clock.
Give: 9:33
